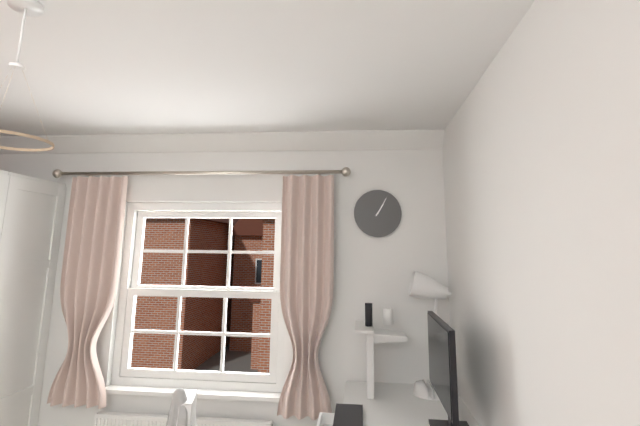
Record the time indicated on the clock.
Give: 1:05
